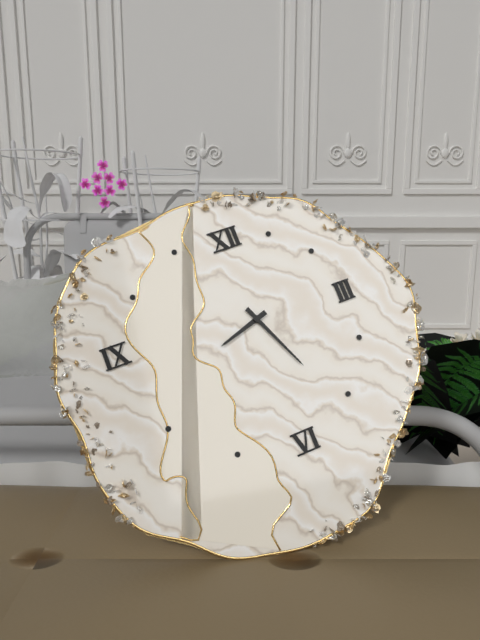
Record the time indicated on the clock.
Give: 8:26
